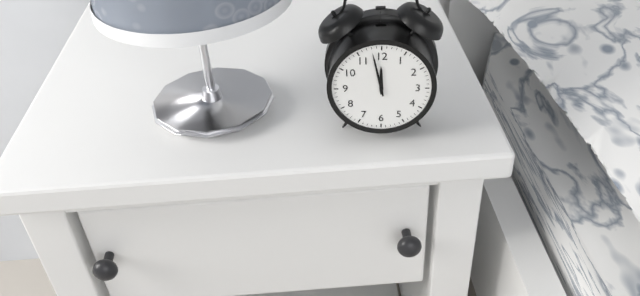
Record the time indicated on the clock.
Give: 11:58
